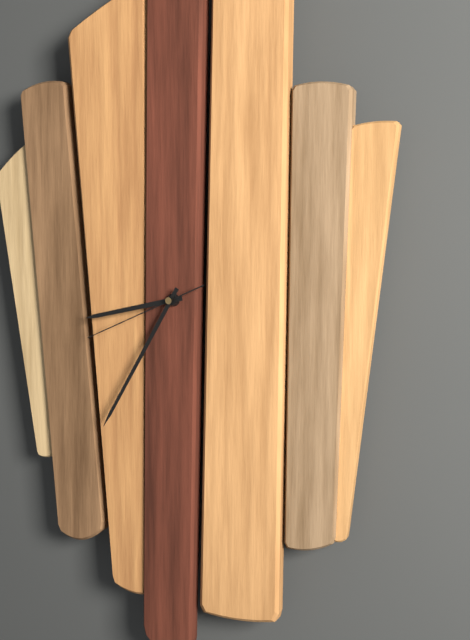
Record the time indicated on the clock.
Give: 8:35:41
